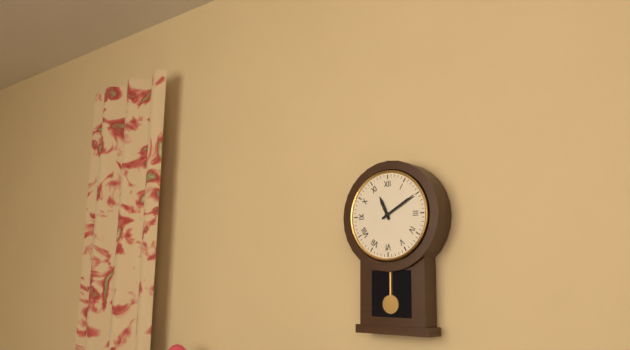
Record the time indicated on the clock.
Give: 11:10
